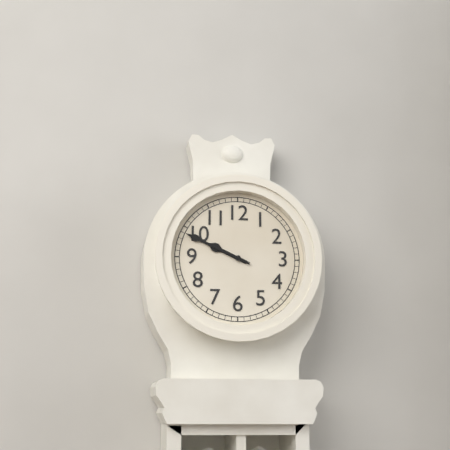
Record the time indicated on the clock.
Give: 9:49
